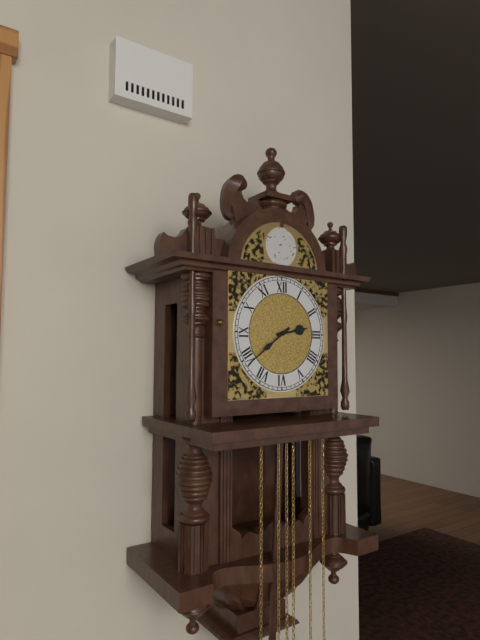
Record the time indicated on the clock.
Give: 2:39
